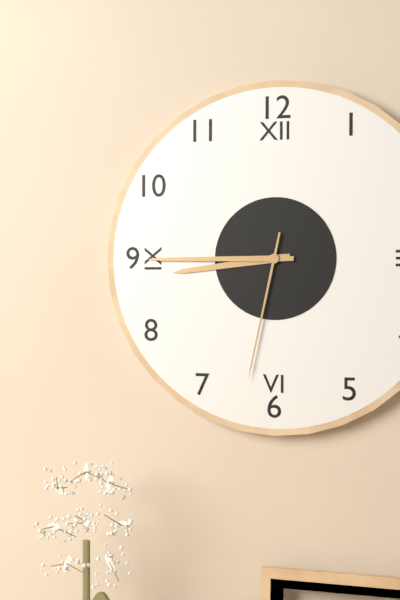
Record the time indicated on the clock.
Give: 8:45:32
